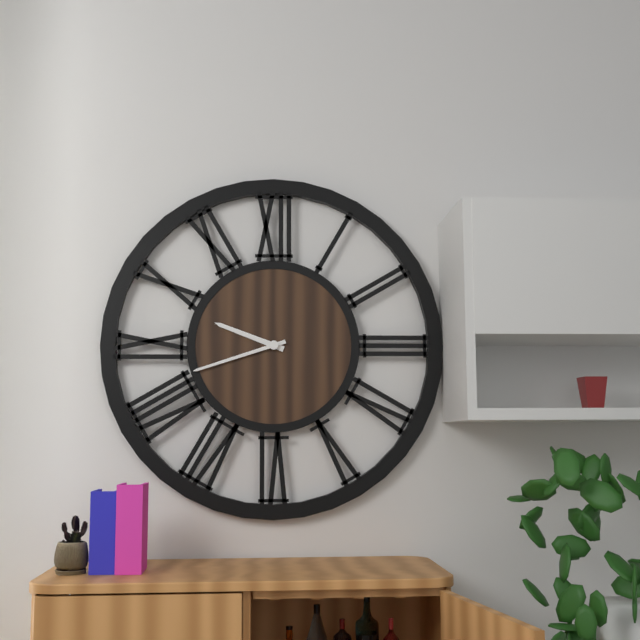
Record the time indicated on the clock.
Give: 9:42
